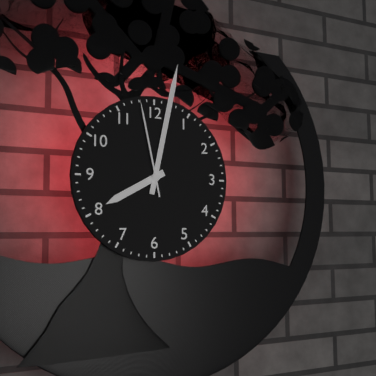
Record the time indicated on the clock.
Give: 8:02:58
